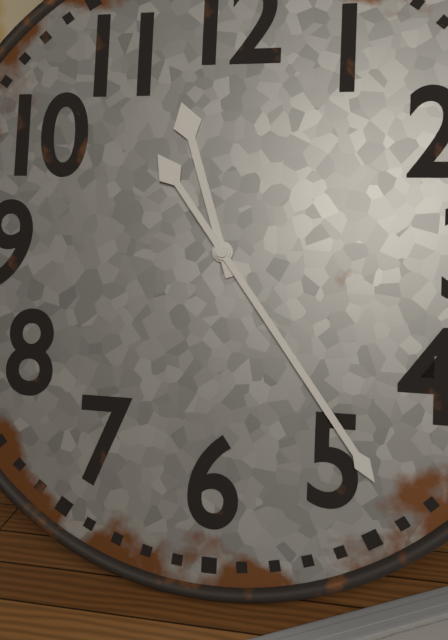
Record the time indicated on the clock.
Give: 11:24
